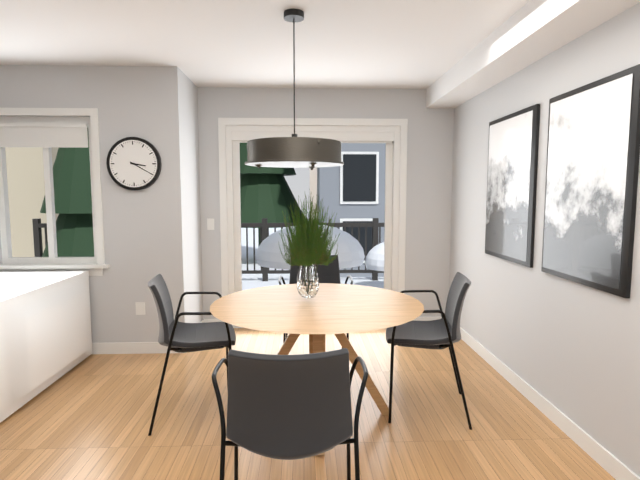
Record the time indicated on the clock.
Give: 3:20
